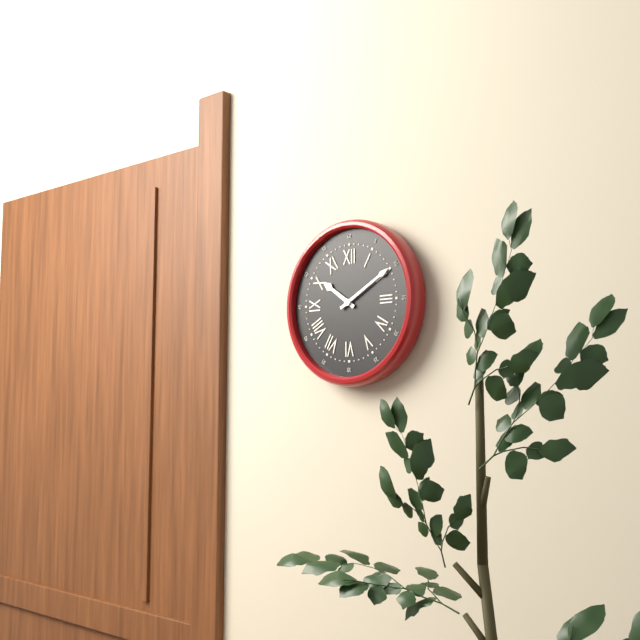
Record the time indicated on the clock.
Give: 10:10
